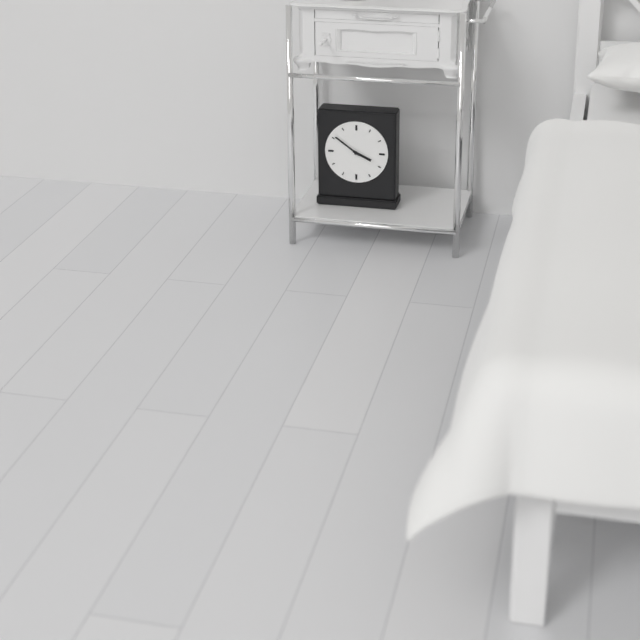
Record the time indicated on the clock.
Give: 3:51
